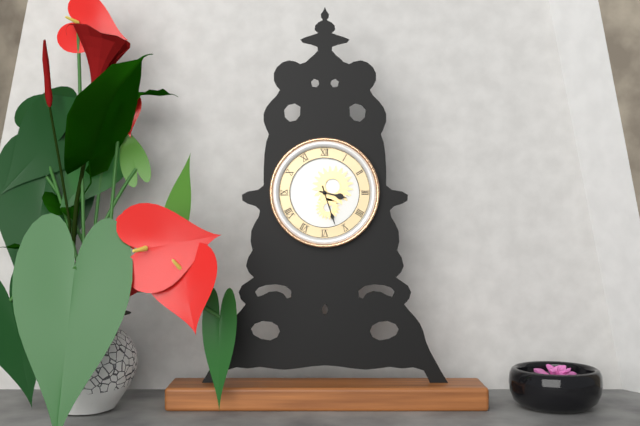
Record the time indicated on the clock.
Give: 3:27
